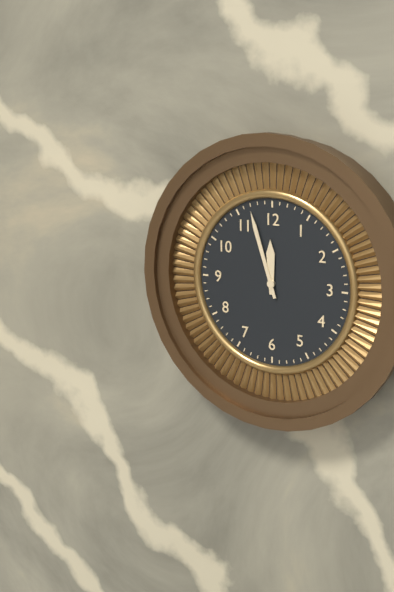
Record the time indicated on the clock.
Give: 11:57
